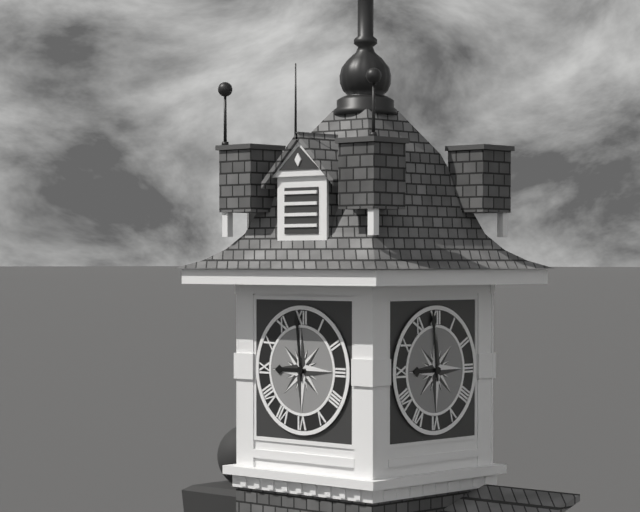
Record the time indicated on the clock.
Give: 8:59
